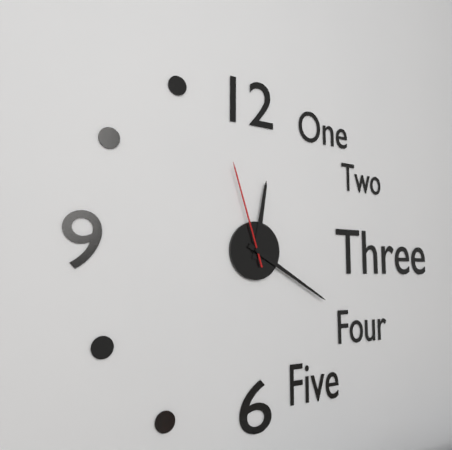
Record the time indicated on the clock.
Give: 12:20:57
